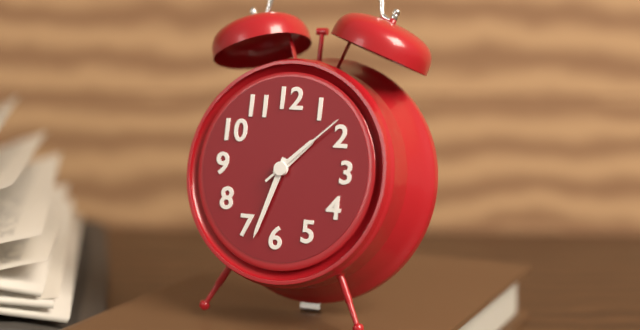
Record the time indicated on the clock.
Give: 1:33:08
